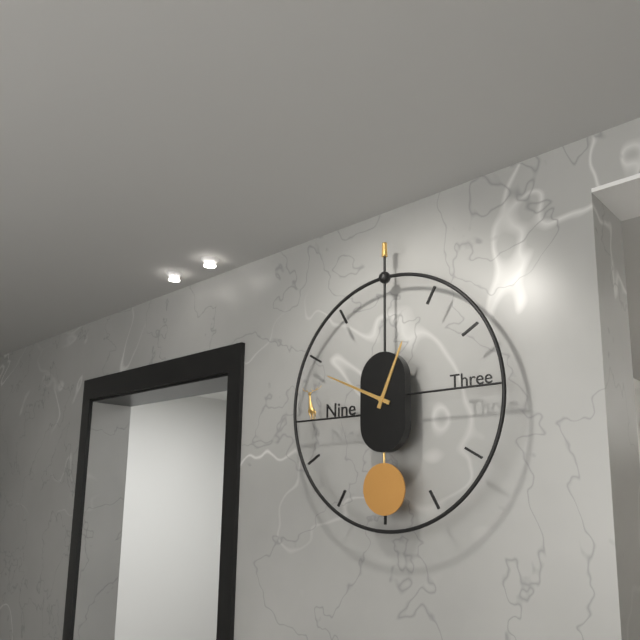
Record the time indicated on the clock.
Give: 12:49
